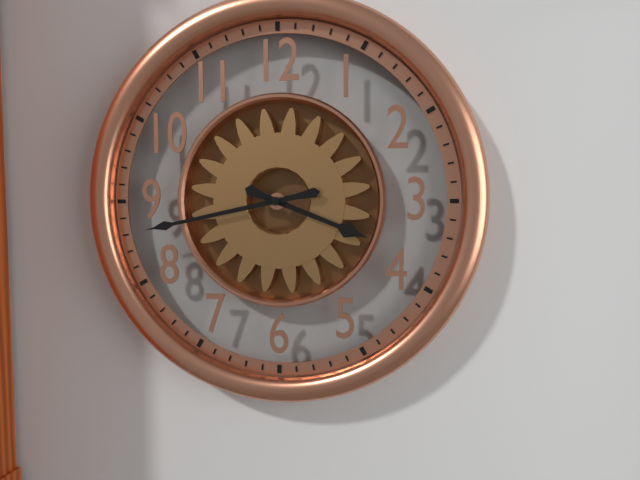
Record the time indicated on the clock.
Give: 3:43
